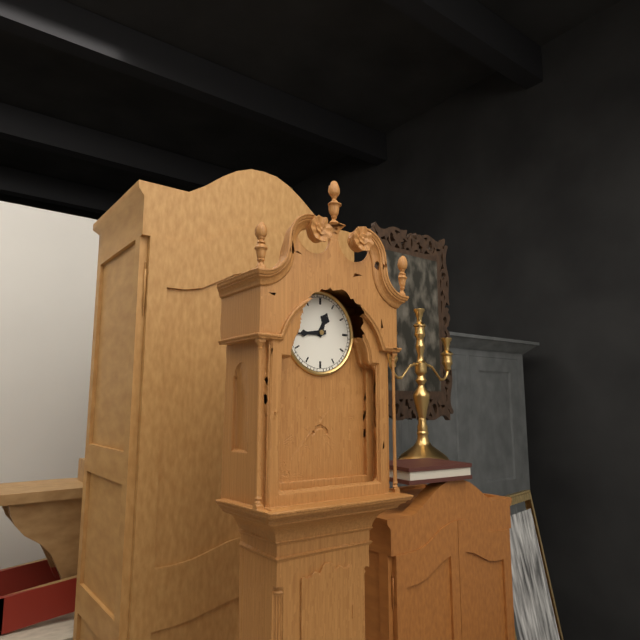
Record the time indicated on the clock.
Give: 12:44
